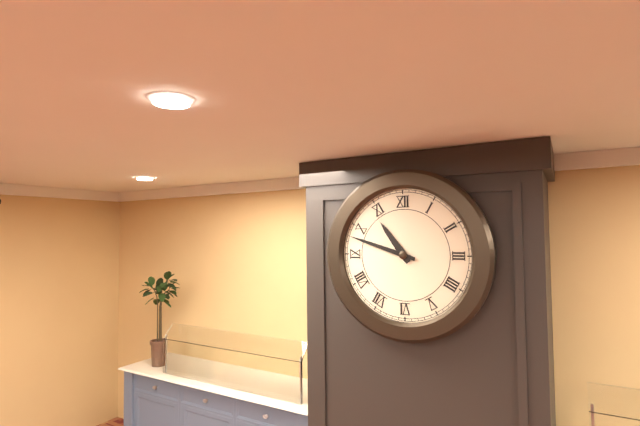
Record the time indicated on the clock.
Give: 10:48
